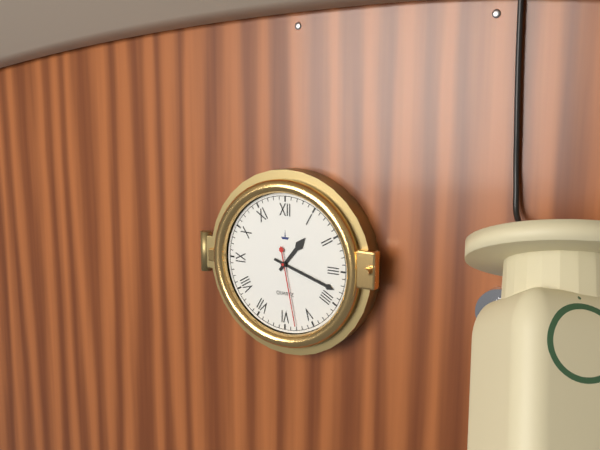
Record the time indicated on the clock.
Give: 1:18:28
